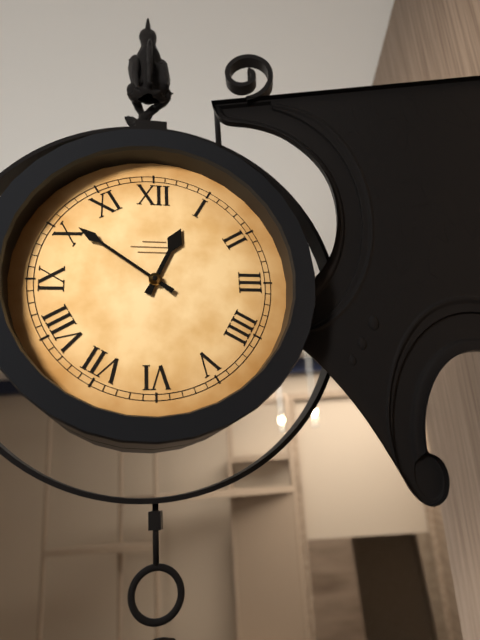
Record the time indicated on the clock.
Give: 12:51
